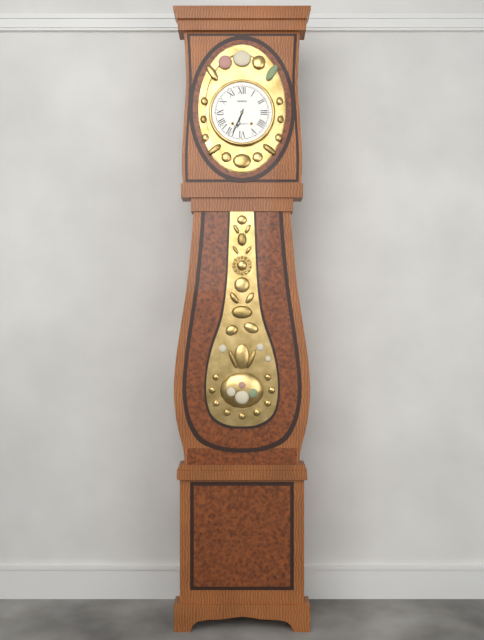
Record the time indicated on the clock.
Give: 6:34
